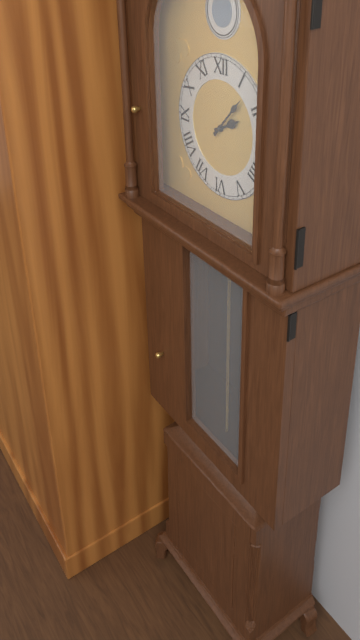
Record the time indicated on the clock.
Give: 2:07
